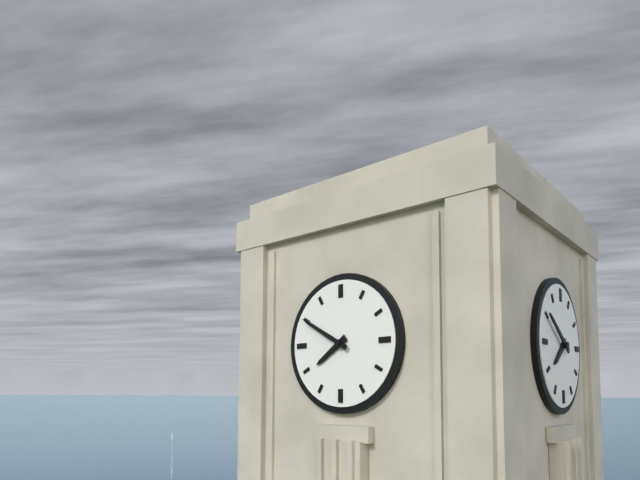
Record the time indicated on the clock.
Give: 7:50
